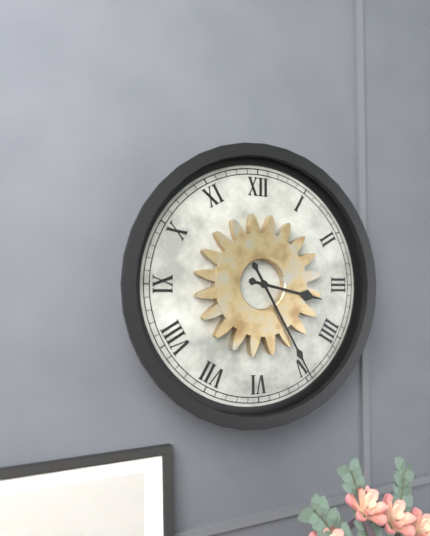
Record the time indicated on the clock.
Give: 3:25
